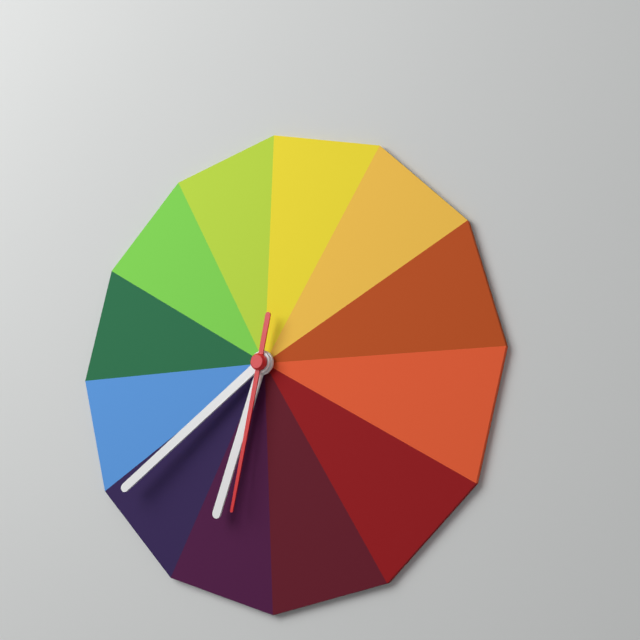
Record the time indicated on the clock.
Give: 6:39:32
